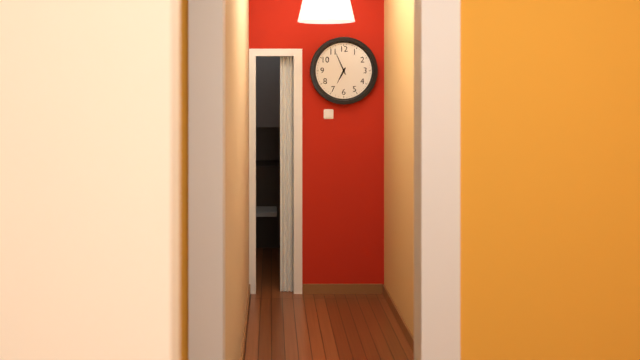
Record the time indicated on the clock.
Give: 6:56
